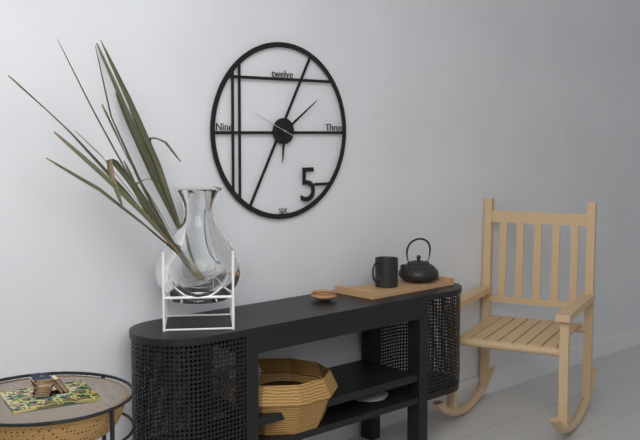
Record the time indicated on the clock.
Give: 6:09
